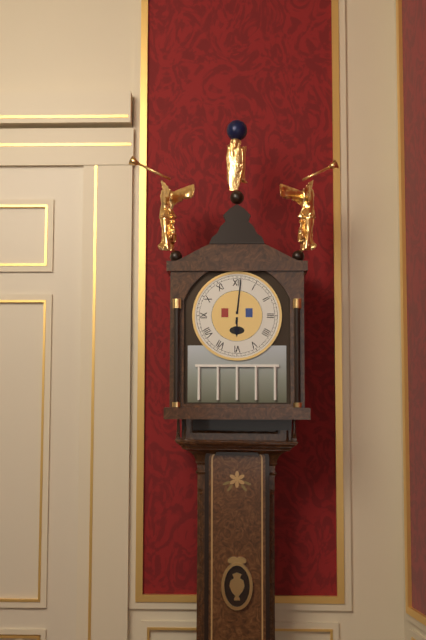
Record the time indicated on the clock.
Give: 6:01
